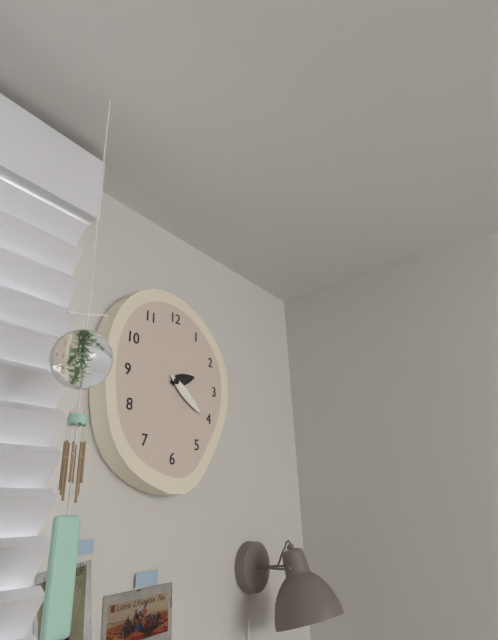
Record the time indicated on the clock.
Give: 2:21
